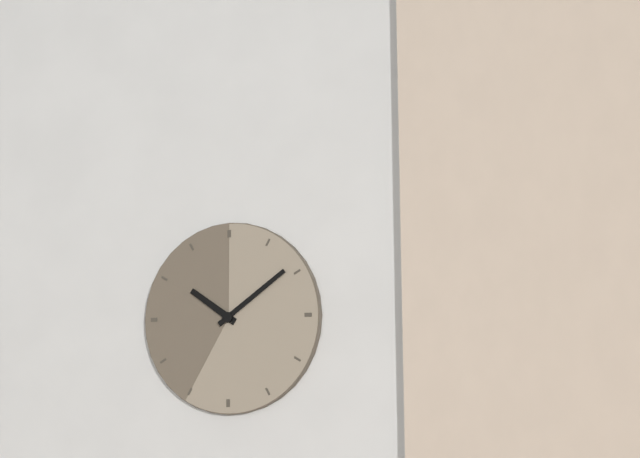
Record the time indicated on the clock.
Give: 10:09
